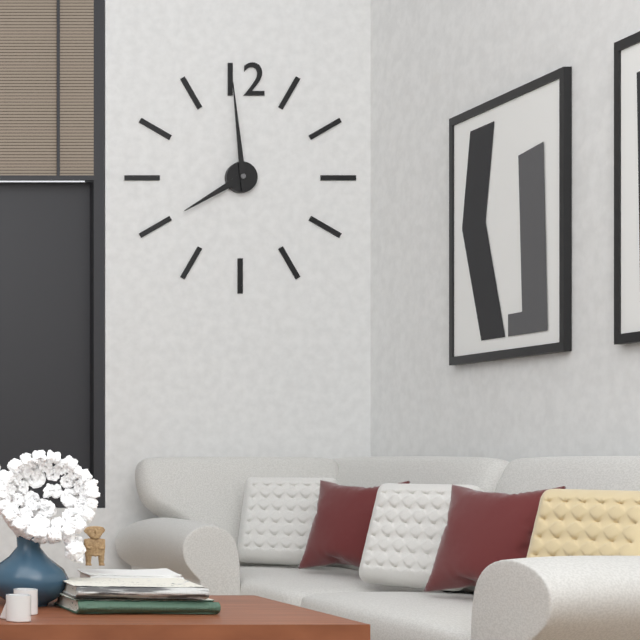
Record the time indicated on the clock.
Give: 7:59
